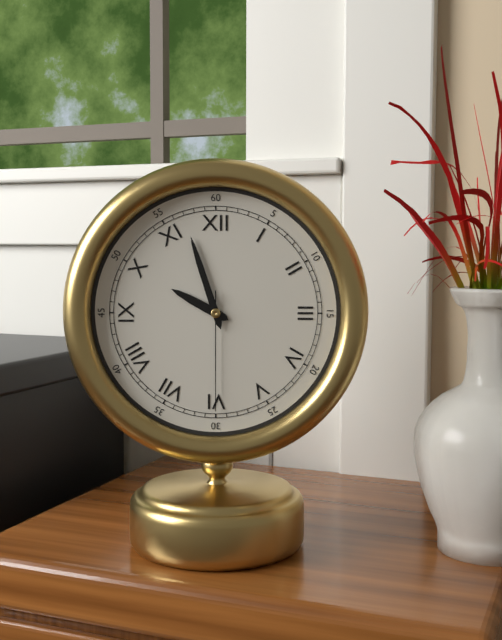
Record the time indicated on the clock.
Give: 9:57:30
